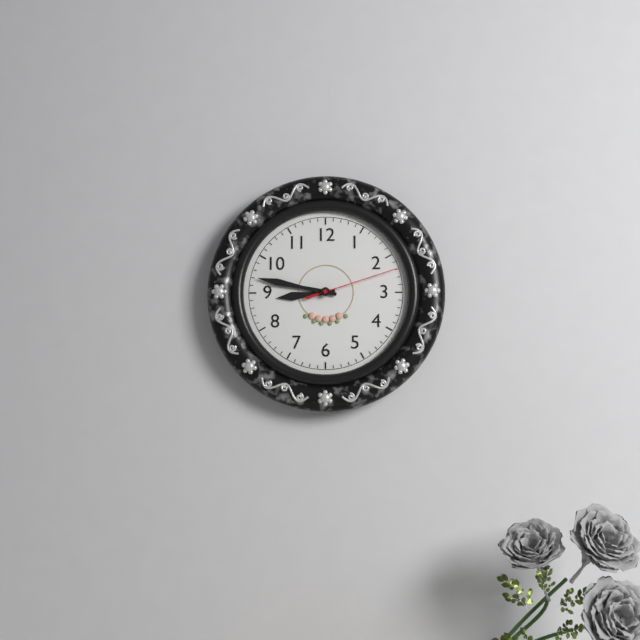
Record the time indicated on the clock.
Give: 8:47:12
